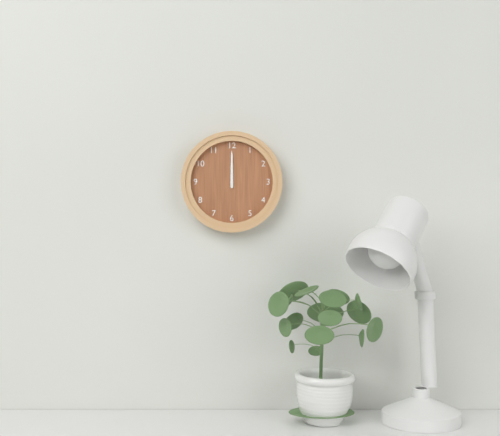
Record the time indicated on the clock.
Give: 12:00
